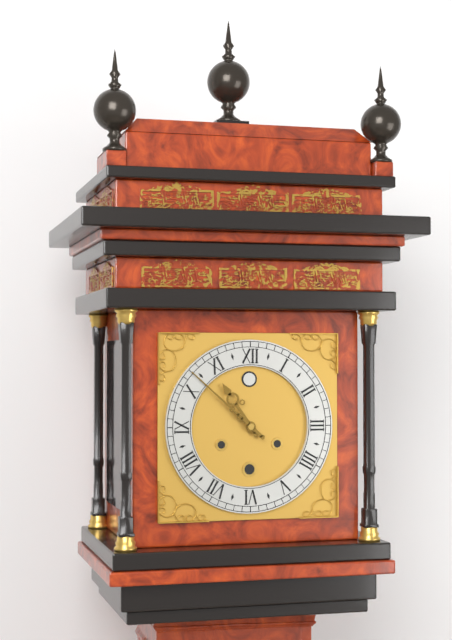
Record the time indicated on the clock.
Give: 10:52
